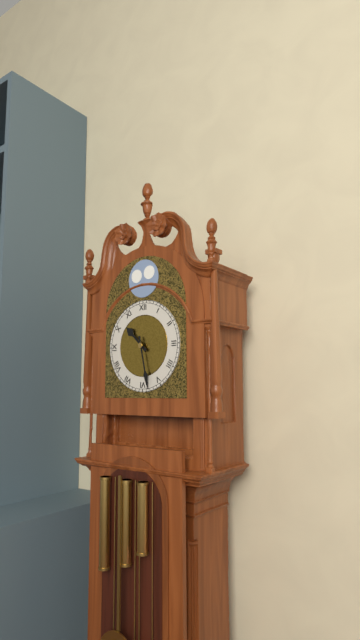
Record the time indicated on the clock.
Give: 10:28
